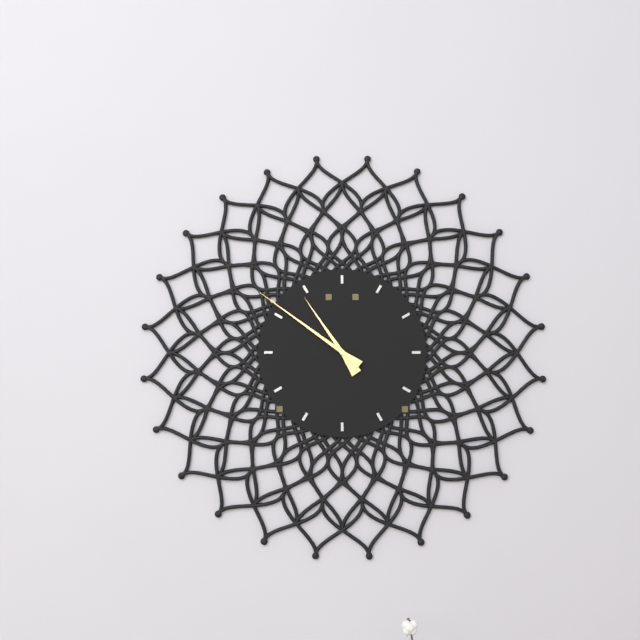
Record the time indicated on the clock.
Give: 10:51
